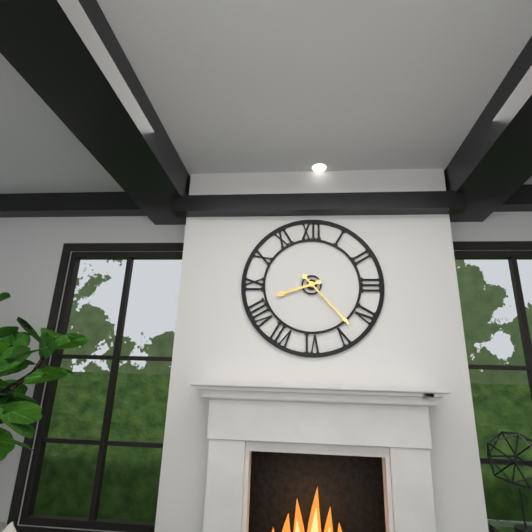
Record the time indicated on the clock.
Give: 8:23
